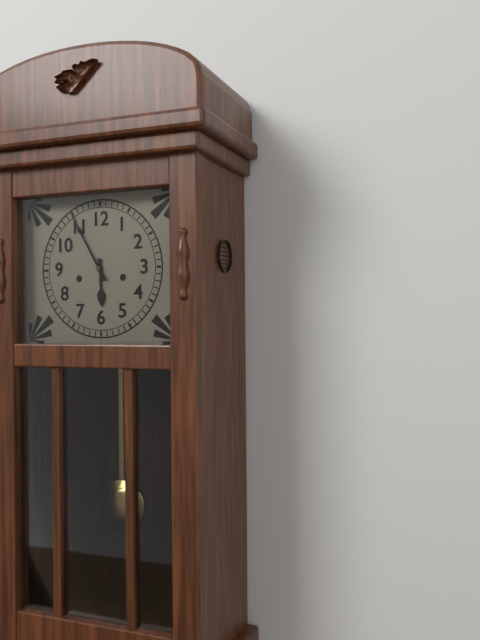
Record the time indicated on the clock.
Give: 5:55
